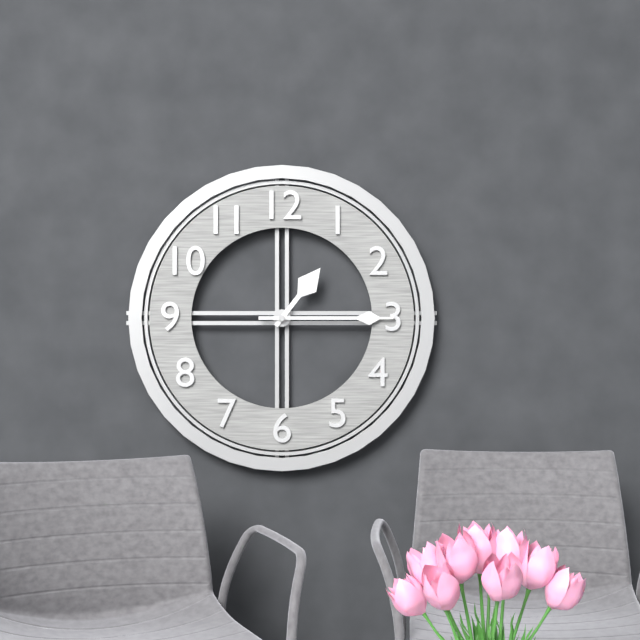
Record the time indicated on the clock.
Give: 1:15
